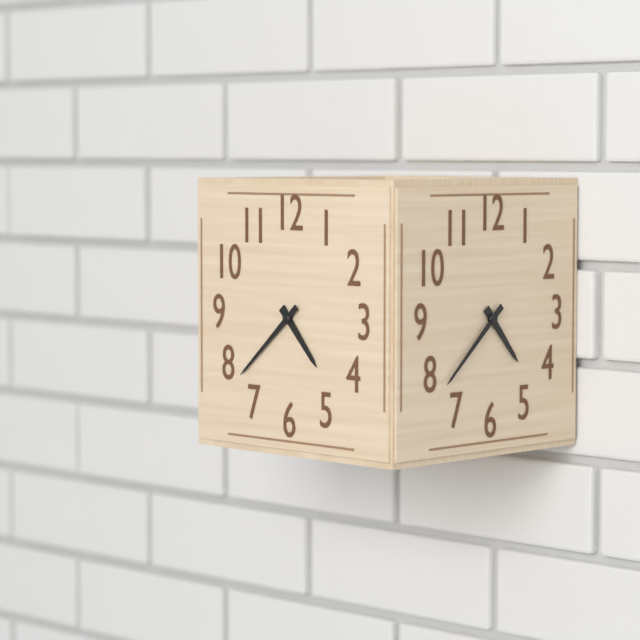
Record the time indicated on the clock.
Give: 4:38
